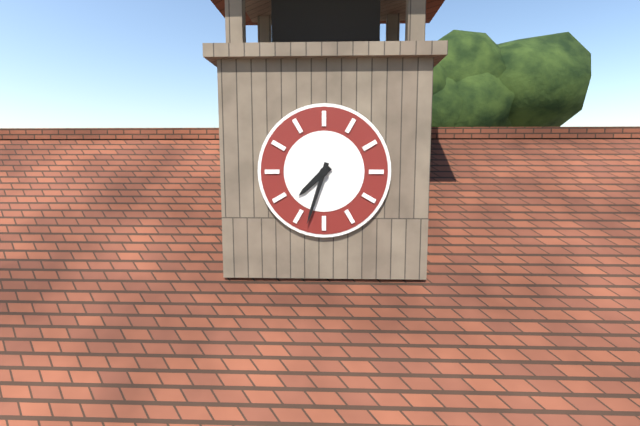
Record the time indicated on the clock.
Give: 7:33
